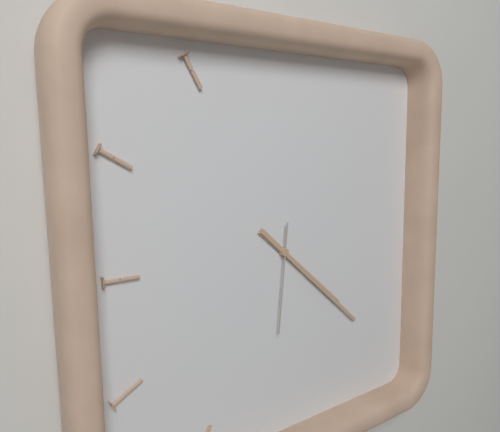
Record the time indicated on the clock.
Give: 4:22:31
